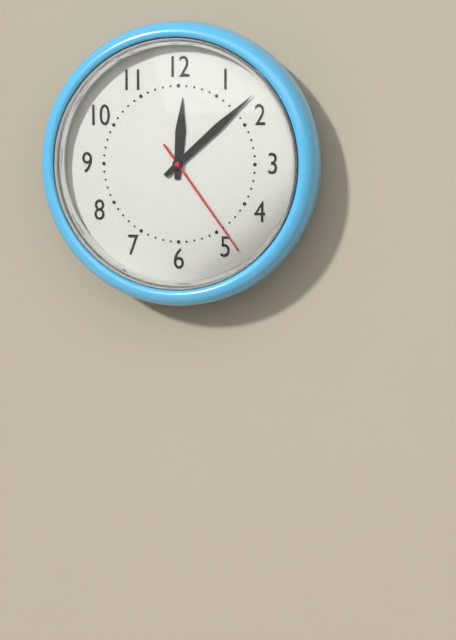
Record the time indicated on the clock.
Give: 12:08:24
